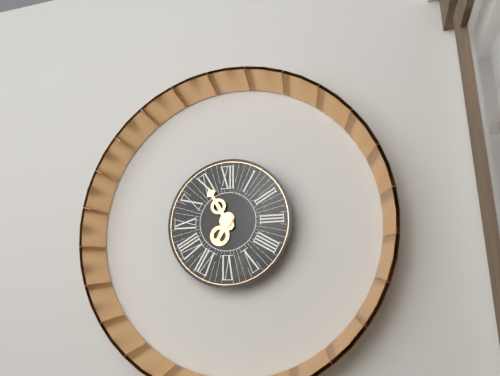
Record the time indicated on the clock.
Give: 6:55
